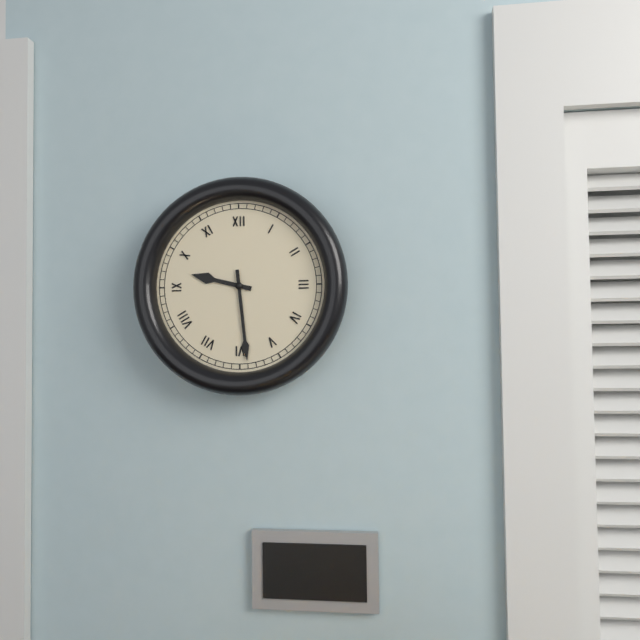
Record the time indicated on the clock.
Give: 9:29
